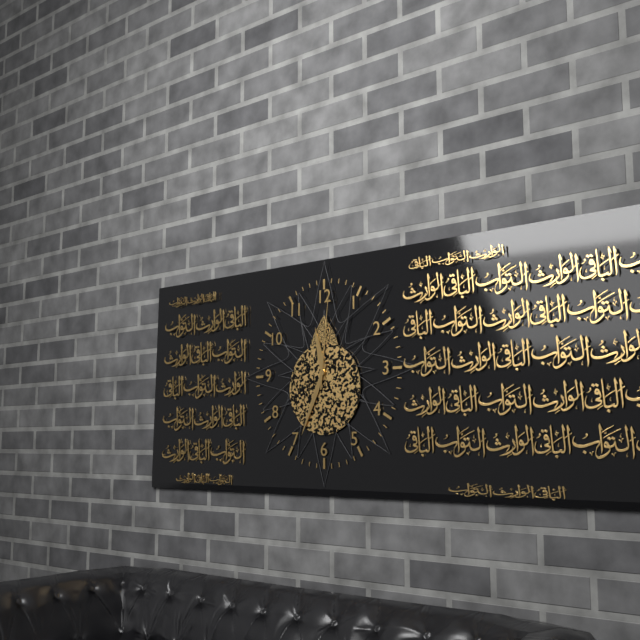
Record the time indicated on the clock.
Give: 11:34:01
